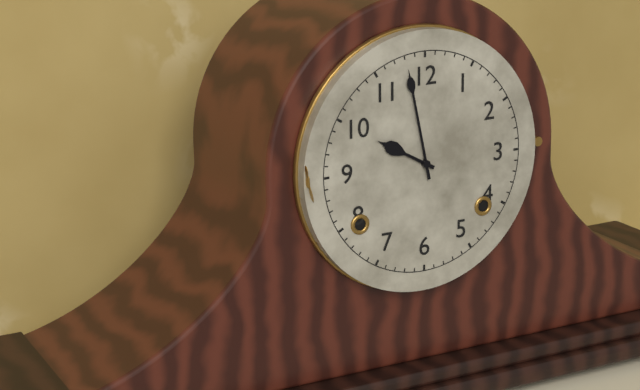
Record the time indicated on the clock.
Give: 9:58
